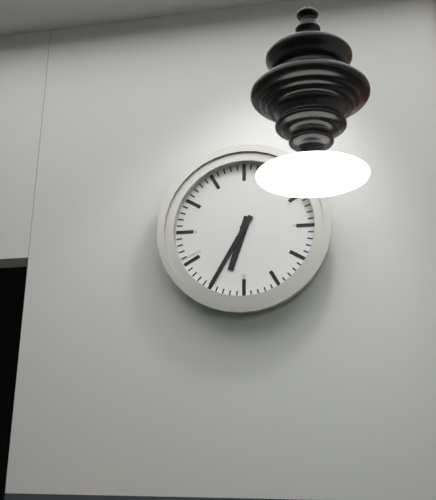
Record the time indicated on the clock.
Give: 6:35
